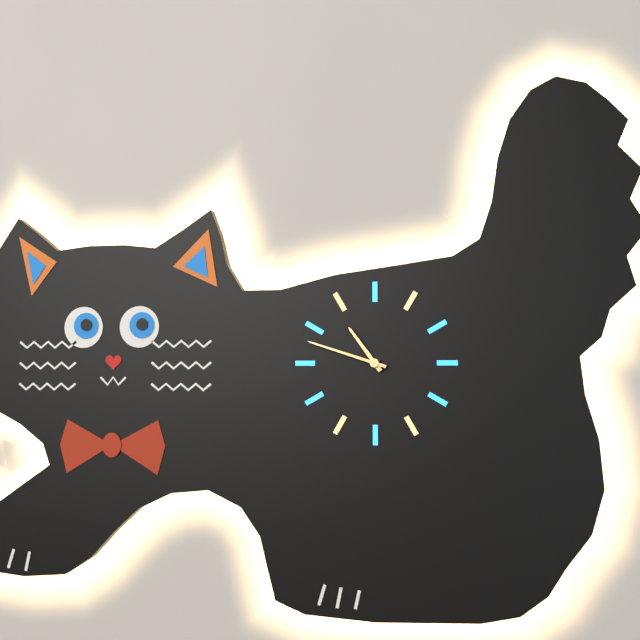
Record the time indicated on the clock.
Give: 10:48
